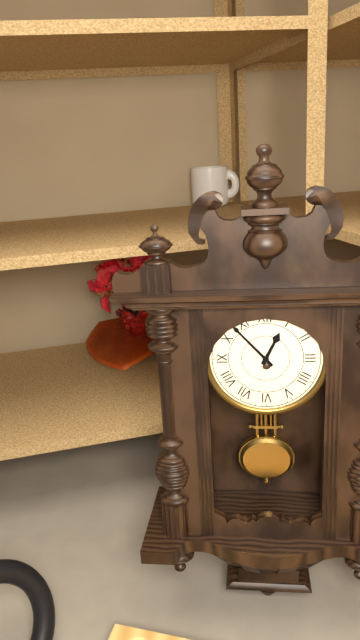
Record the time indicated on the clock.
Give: 12:53
